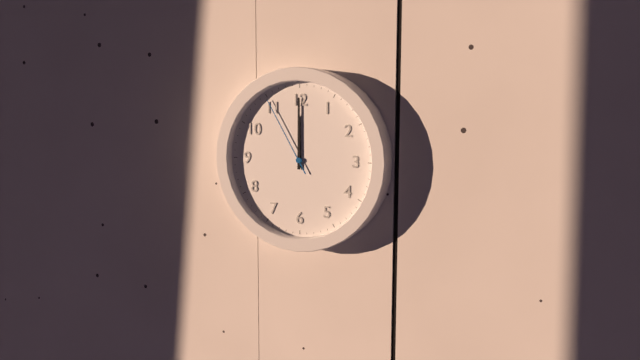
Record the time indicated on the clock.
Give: 12:00:55
